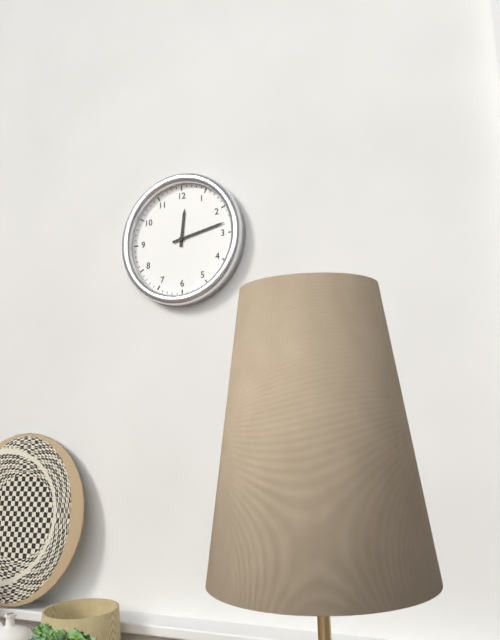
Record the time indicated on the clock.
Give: 12:13
